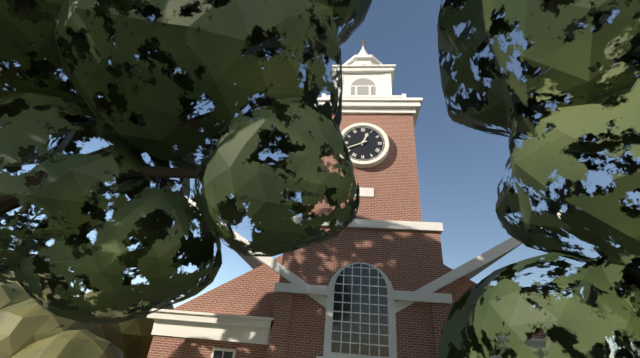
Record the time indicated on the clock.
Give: 12:41
